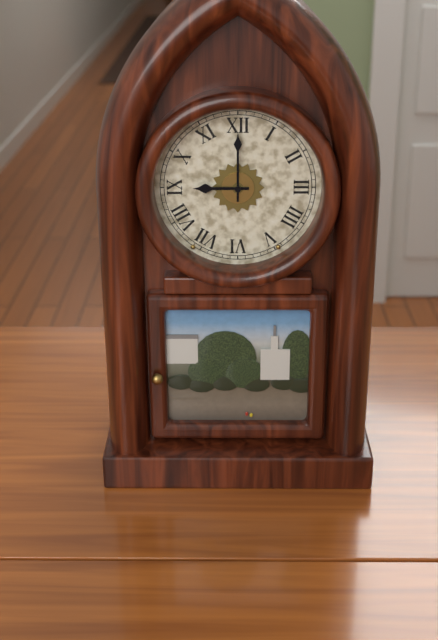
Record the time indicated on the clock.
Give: 9:00
